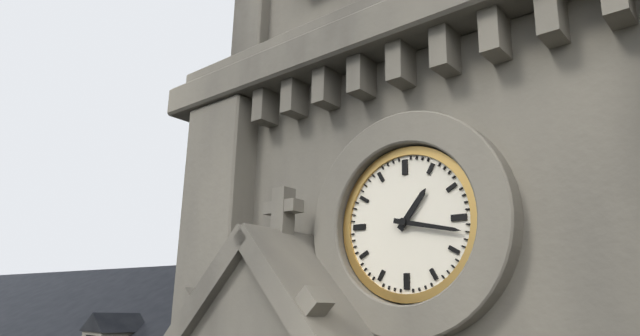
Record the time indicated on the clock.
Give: 1:17
